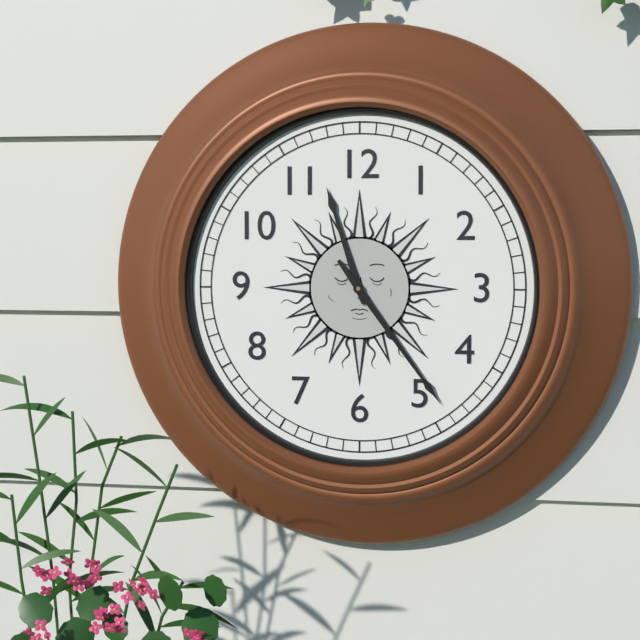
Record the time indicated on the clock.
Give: 11:24
